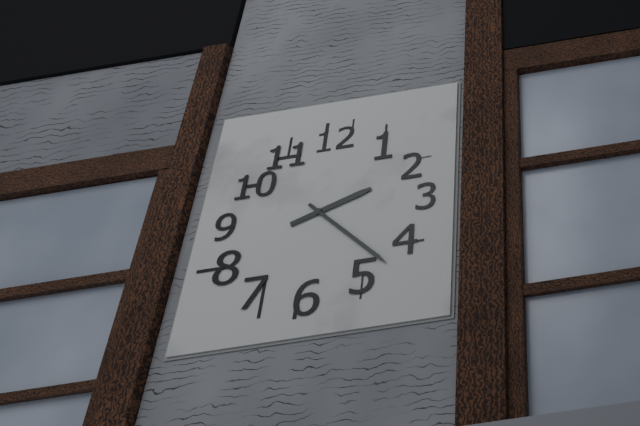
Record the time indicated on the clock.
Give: 2:22
